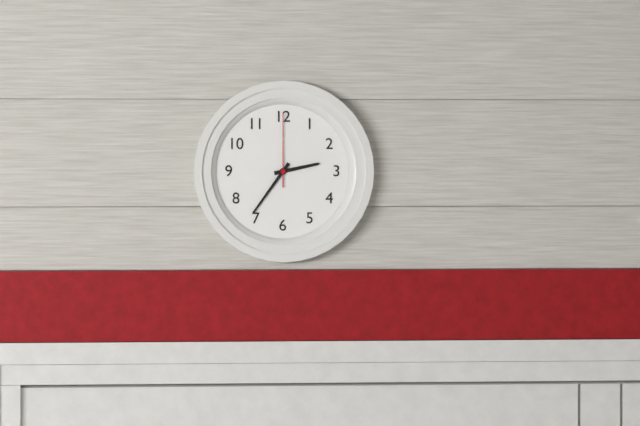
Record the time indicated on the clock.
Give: 2:36:00
